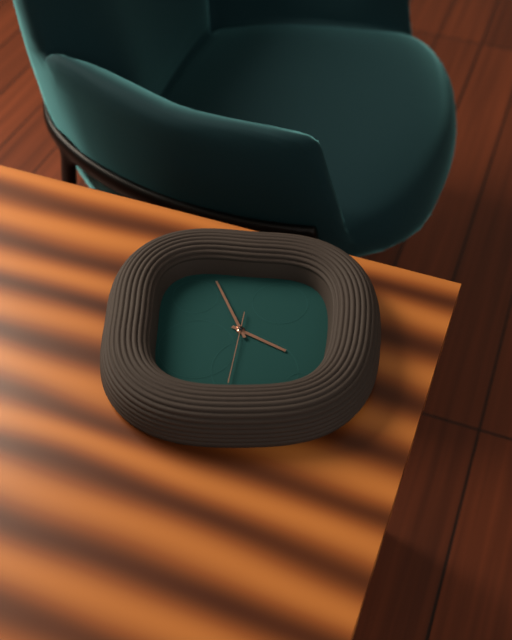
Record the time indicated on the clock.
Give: 3:56:31
